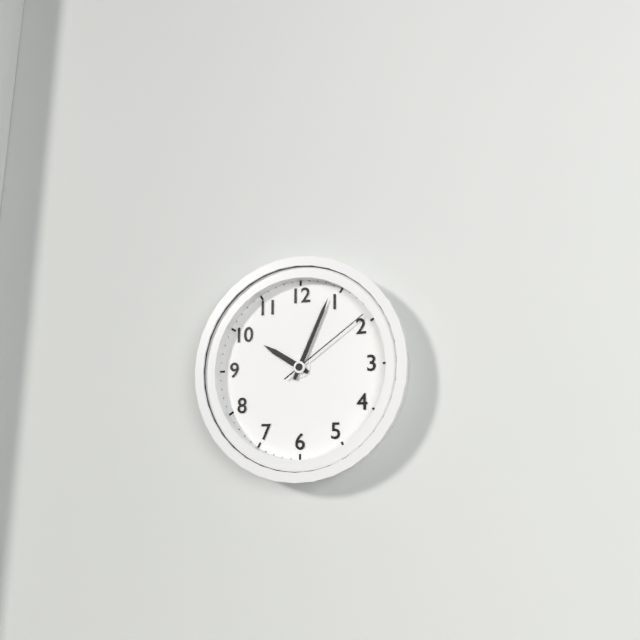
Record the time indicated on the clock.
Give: 10:04:09
